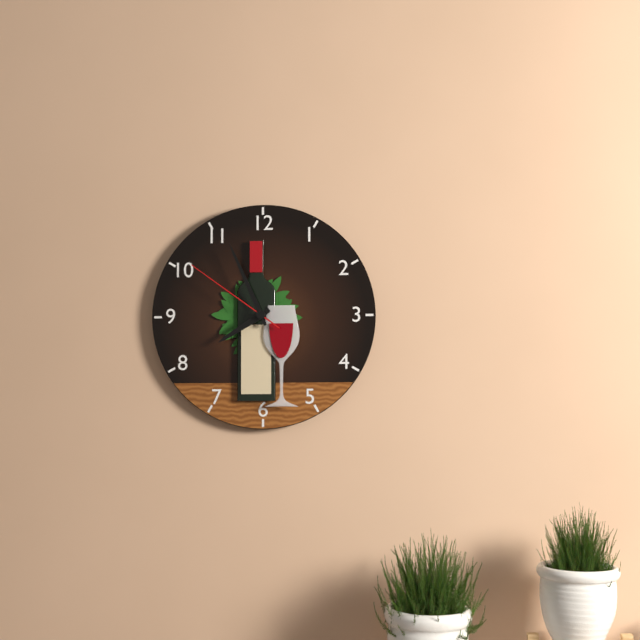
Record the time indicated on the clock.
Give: 7:56:51
